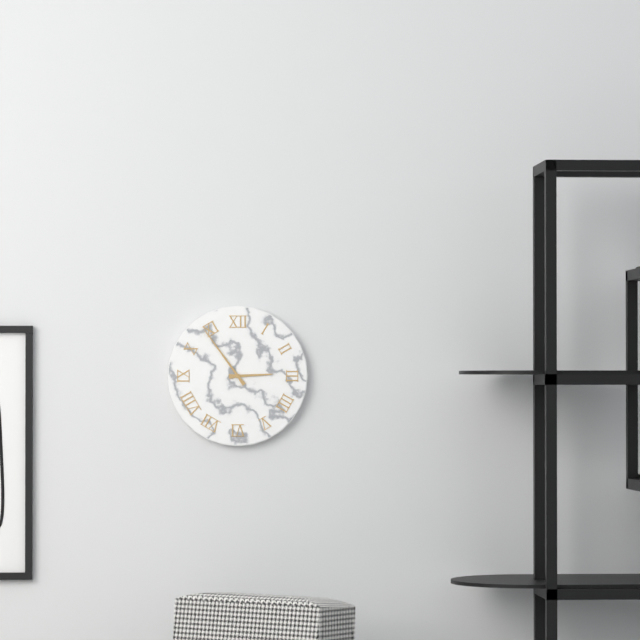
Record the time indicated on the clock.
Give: 2:54
